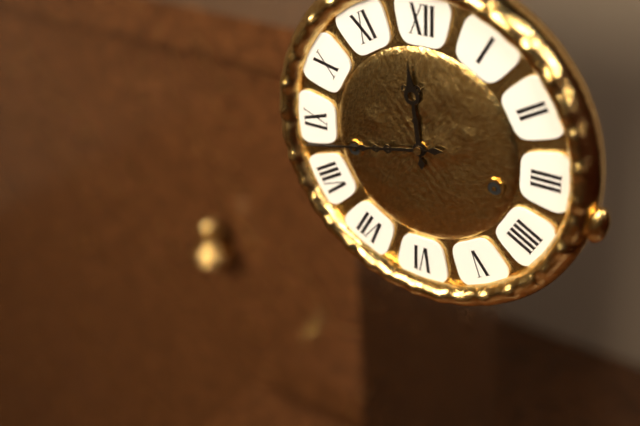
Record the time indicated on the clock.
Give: 11:43
